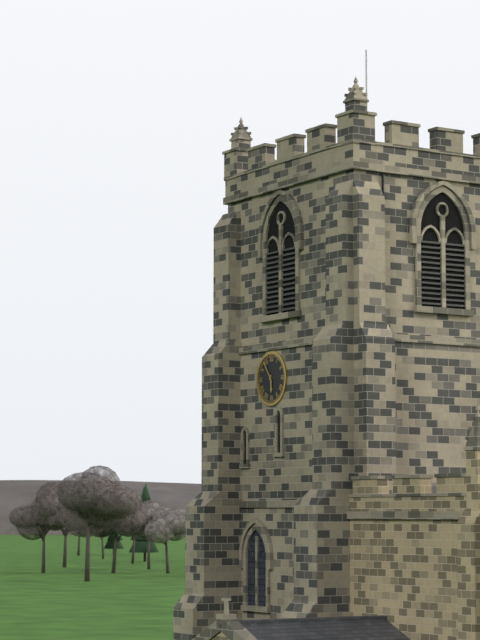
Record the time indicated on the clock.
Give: 5:54
